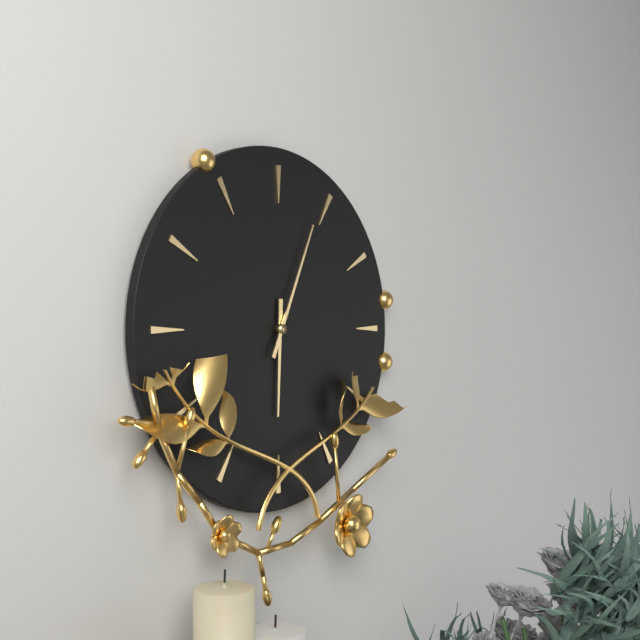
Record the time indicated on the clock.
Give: 6:04
